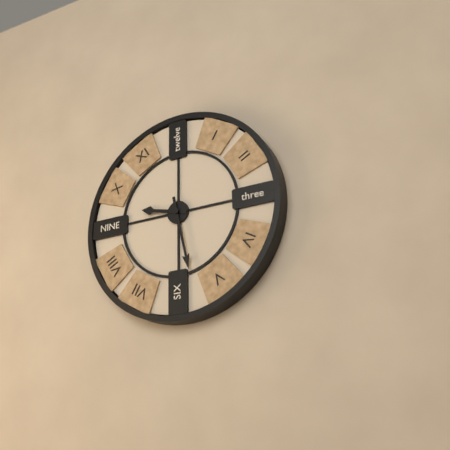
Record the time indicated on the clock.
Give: 9:28
